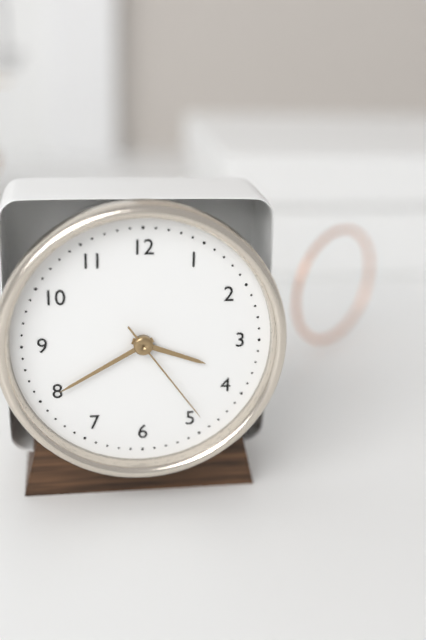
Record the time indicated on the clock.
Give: 3:40:24
